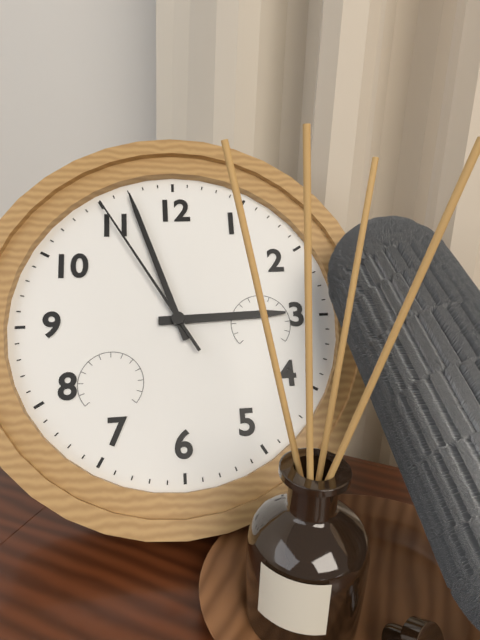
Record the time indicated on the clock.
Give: 2:57:55
